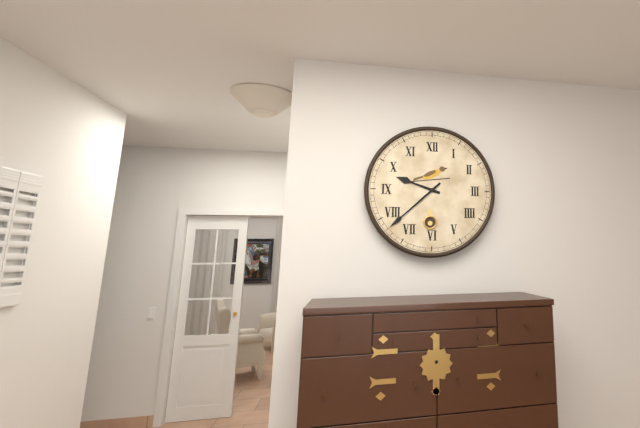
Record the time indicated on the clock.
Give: 9:38
